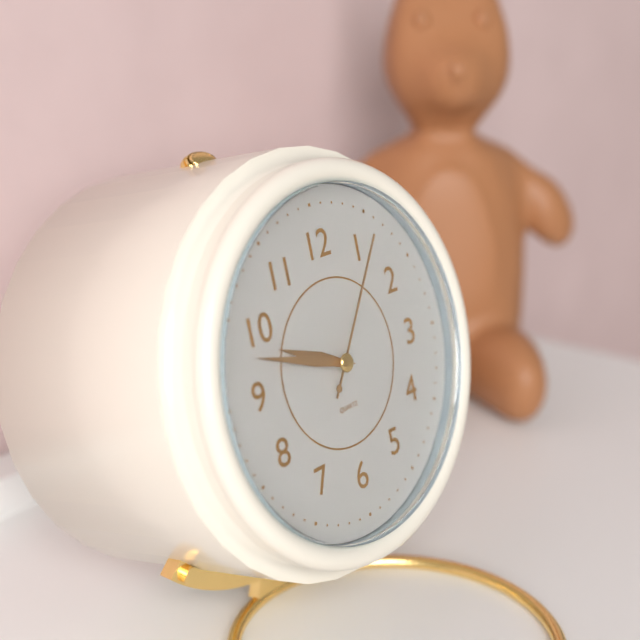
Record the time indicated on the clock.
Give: 9:48:06
